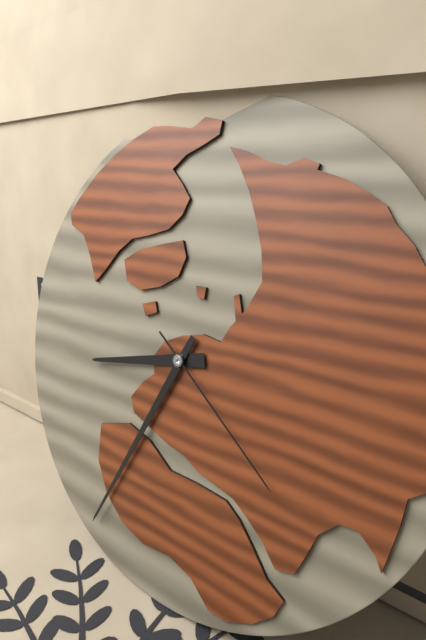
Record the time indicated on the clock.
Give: 8:34:21
